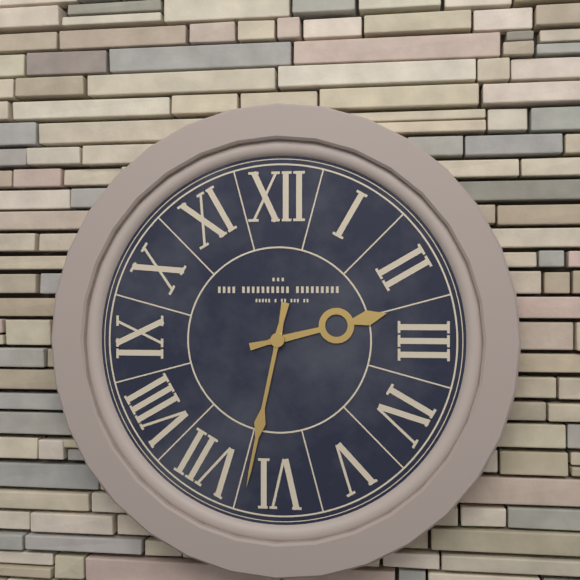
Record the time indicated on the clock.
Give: 2:32
